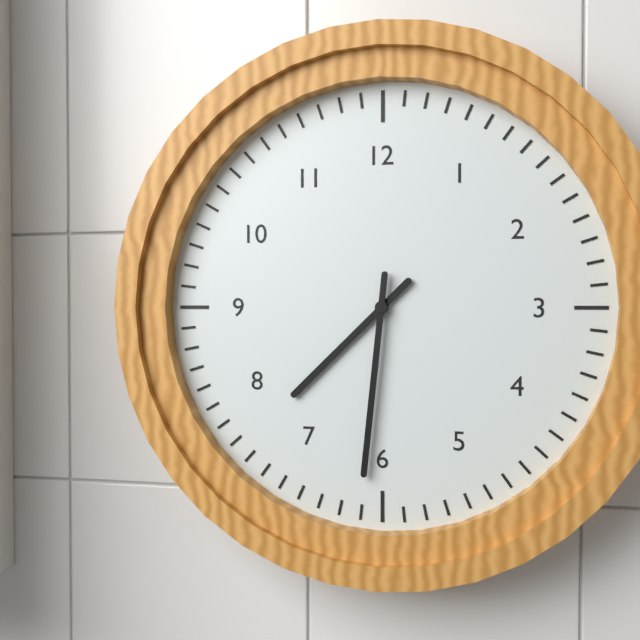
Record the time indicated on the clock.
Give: 7:31
